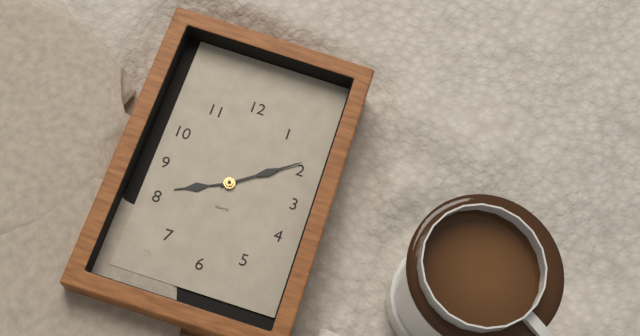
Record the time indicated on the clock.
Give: 8:09
